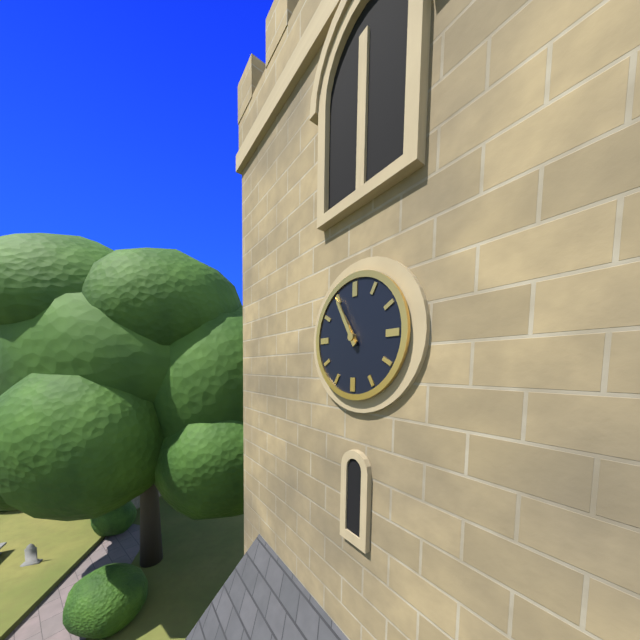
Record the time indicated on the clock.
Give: 10:55
